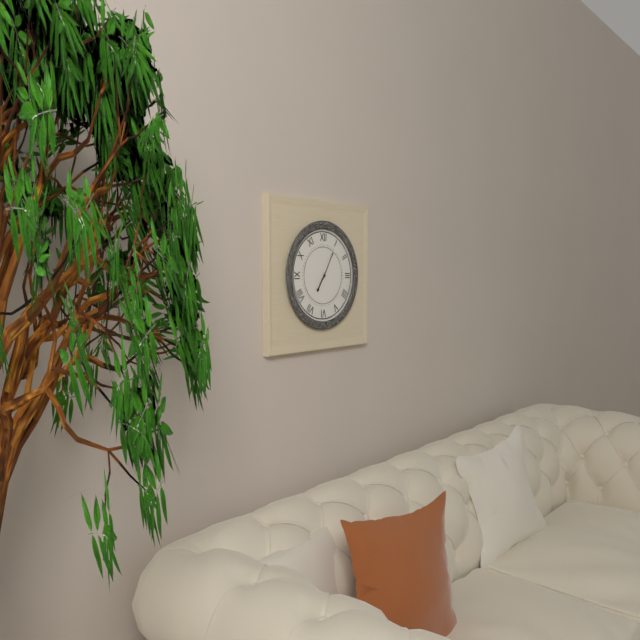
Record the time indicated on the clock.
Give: 7:05
